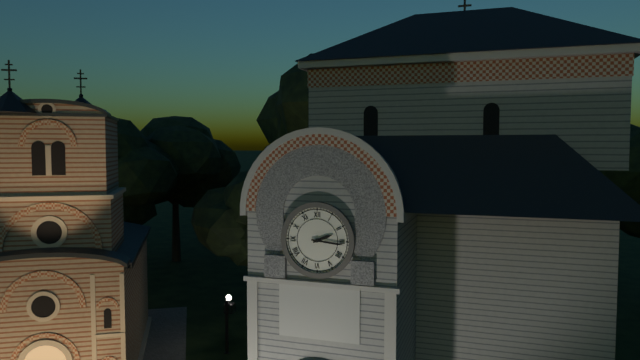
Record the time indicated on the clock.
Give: 2:16
